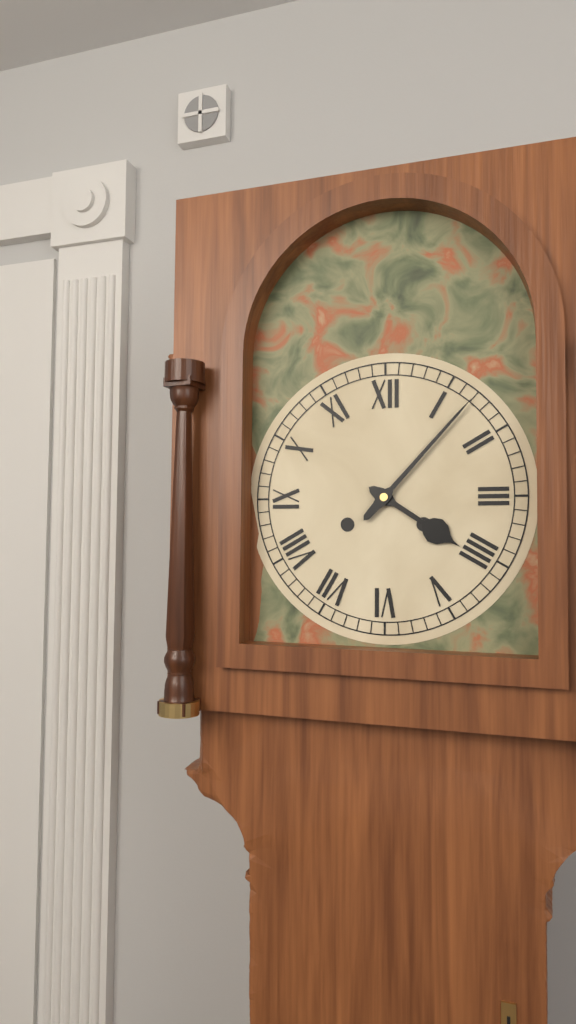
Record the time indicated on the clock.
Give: 4:07
